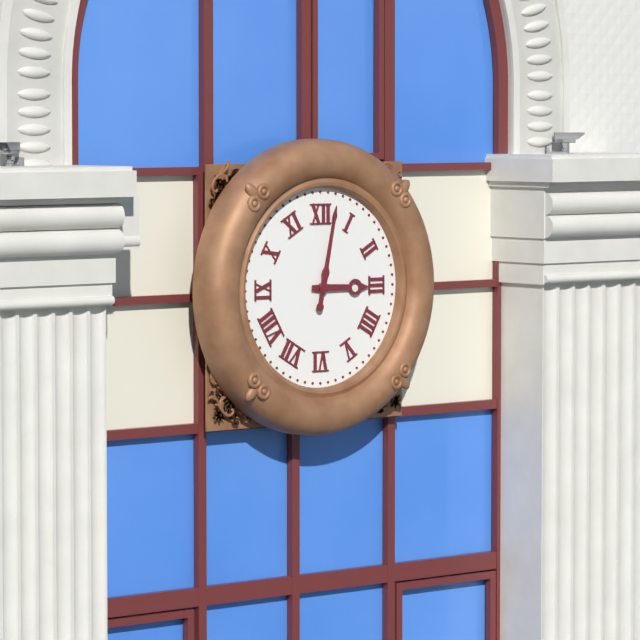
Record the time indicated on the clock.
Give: 3:02
